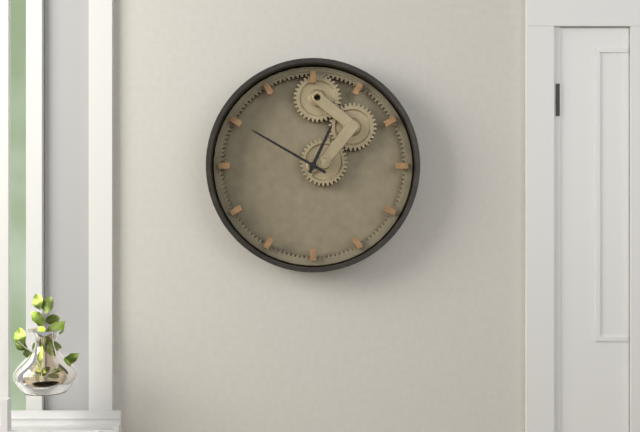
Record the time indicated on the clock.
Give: 12:50
